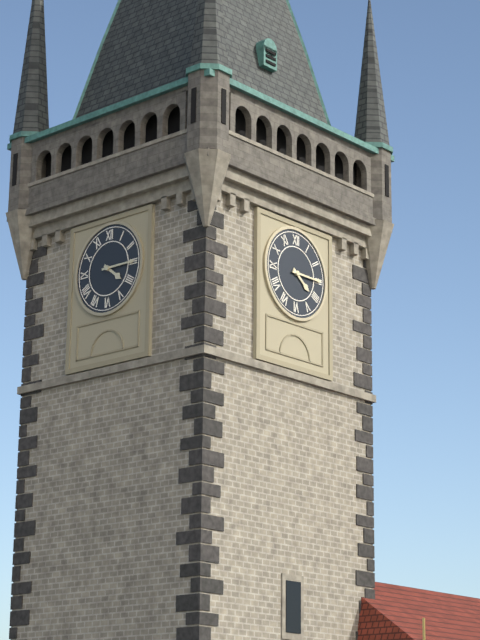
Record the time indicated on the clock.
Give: 4:15
